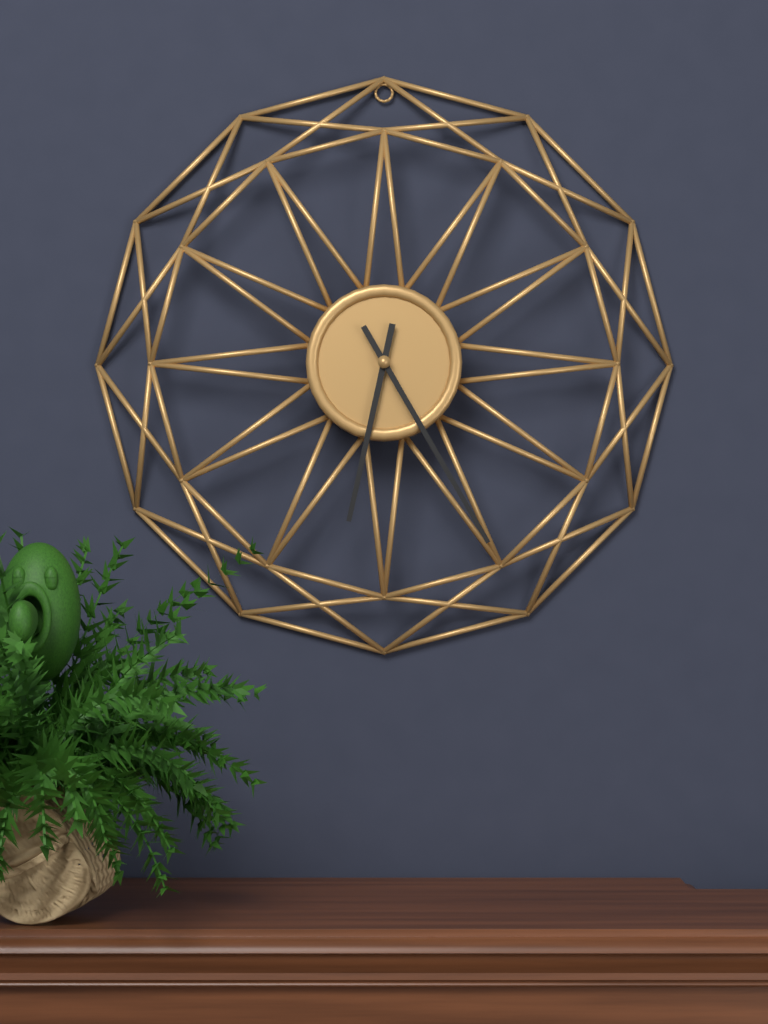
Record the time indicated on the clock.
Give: 6:25
